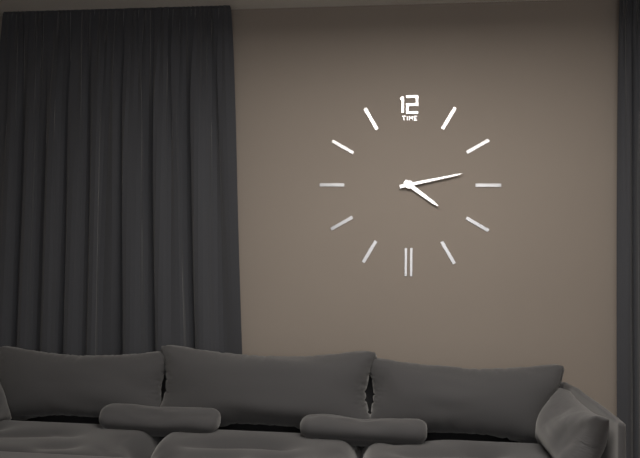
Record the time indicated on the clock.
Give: 4:13
